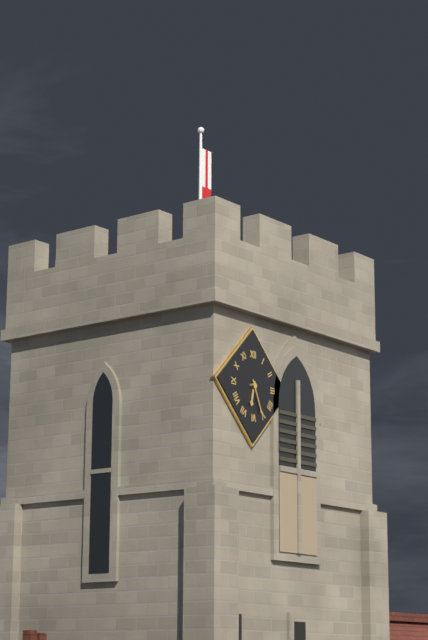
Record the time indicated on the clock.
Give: 6:26
